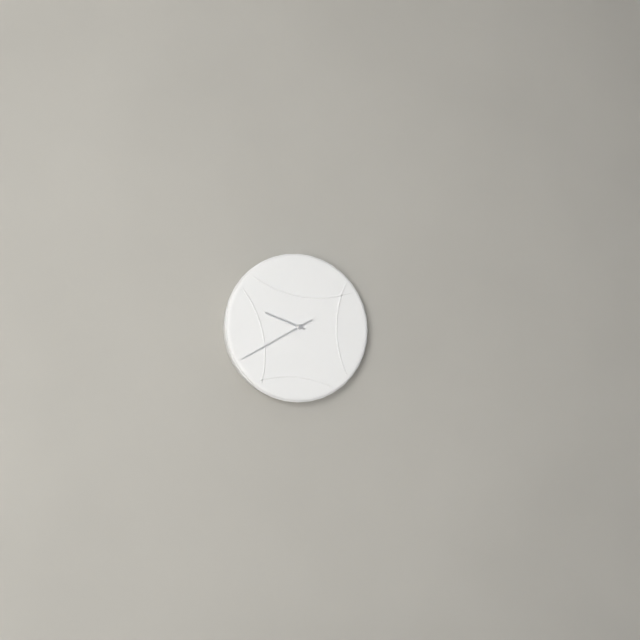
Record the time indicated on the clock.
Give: 9:40
